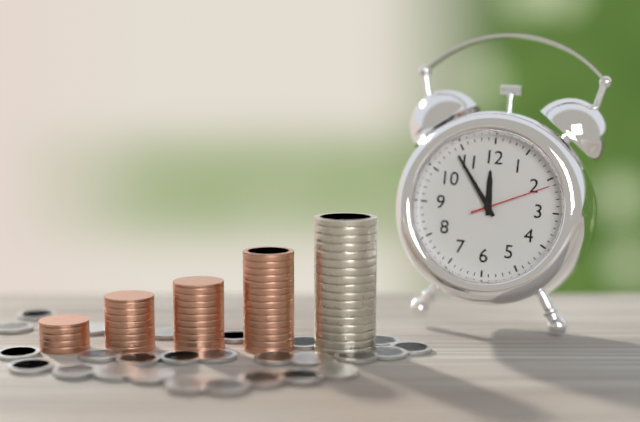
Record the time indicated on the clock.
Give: 11:54:11
